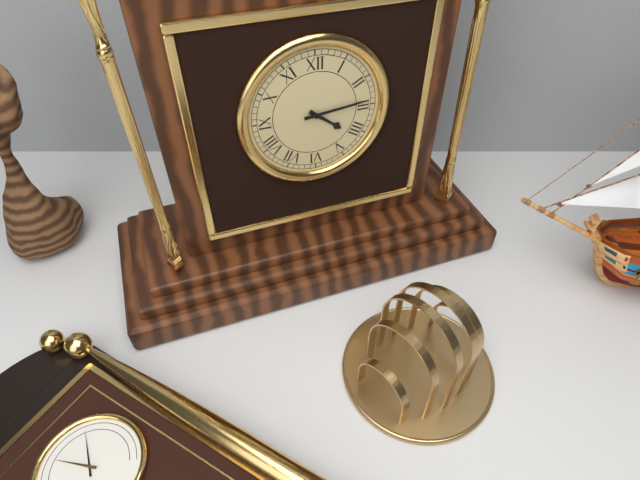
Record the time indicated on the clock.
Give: 4:14
